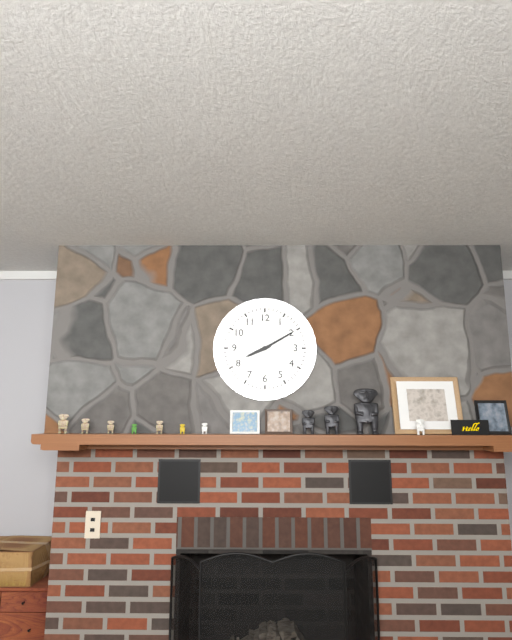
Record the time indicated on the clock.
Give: 8:10
